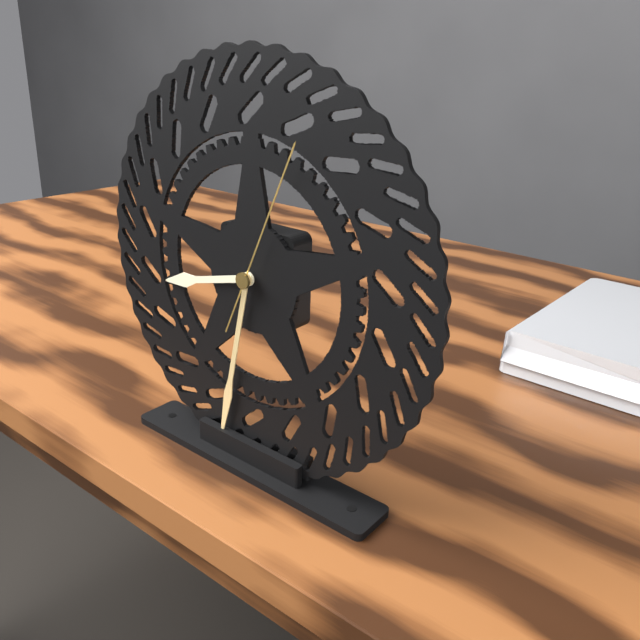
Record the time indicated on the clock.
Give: 8:32:04
